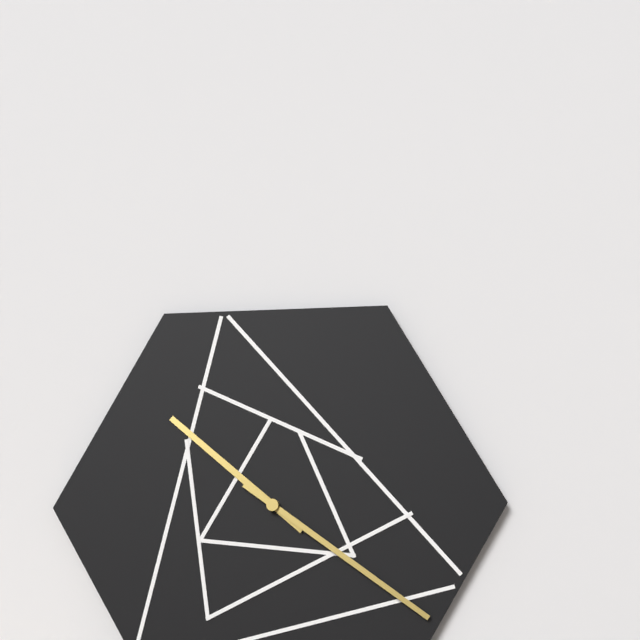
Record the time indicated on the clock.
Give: 10:21
